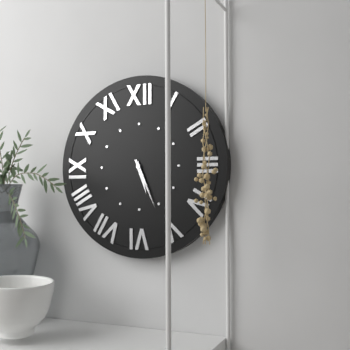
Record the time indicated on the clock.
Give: 5:26
